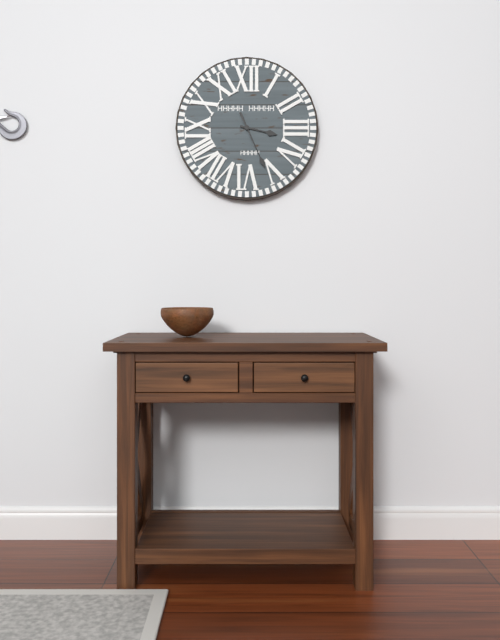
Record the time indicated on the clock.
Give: 3:26
